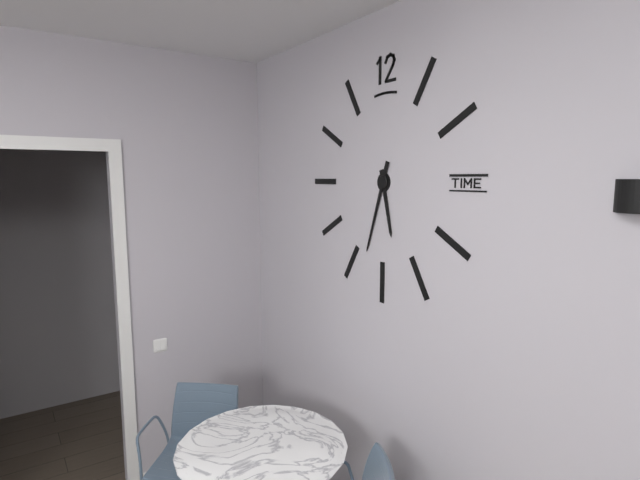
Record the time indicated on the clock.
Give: 5:33
